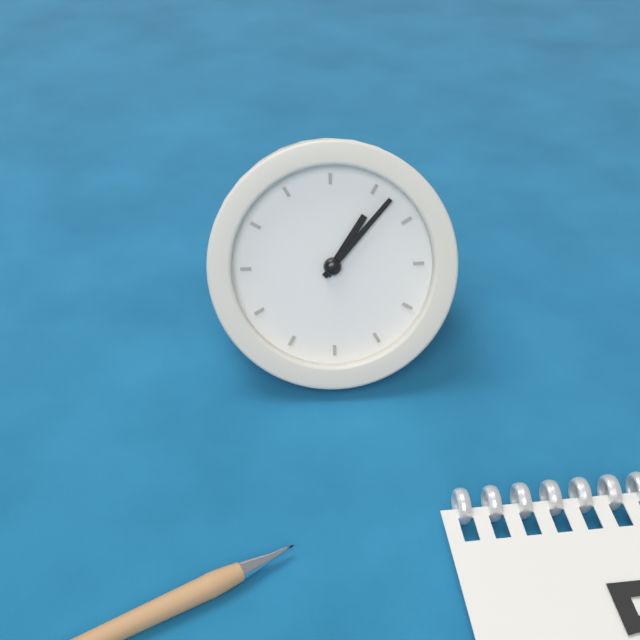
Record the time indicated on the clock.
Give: 1:07
